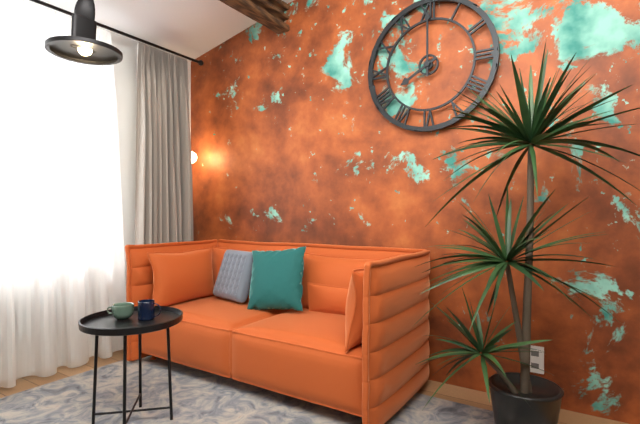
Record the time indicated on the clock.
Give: 8:00
